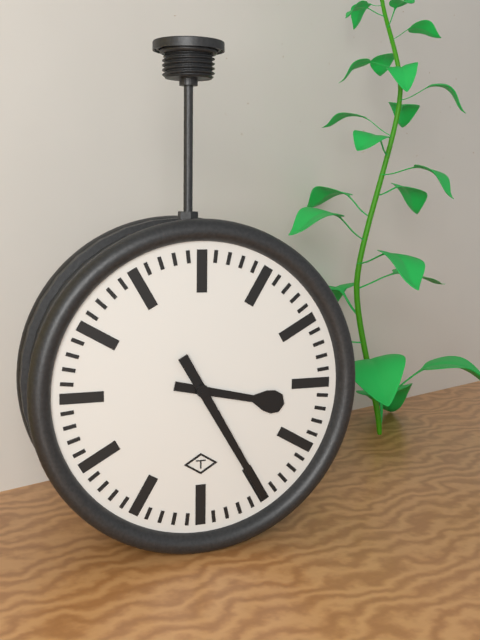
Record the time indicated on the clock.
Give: 3:25
